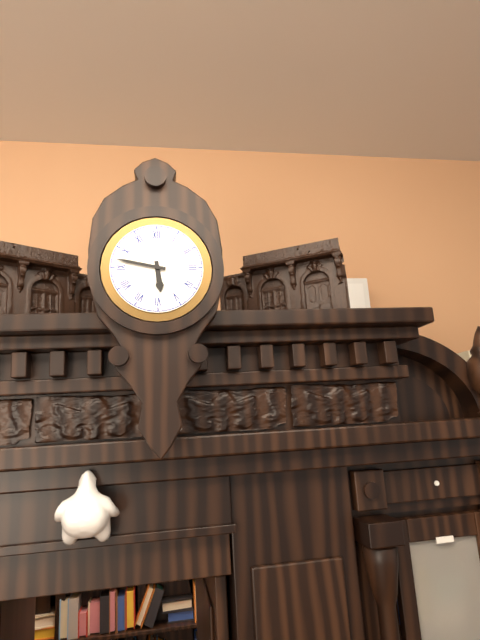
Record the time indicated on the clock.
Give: 5:47
